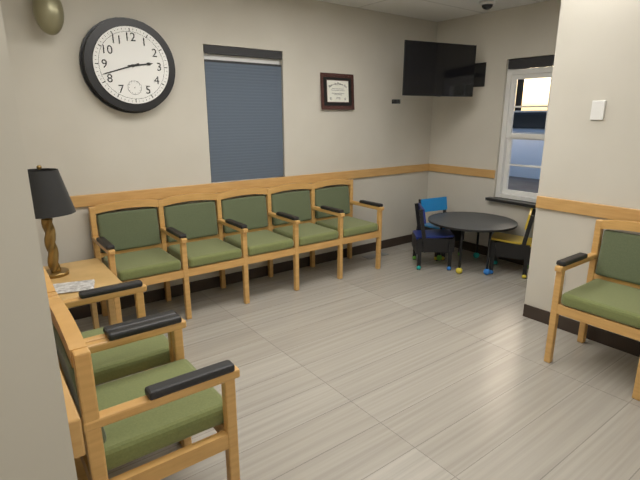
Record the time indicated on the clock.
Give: 2:42
